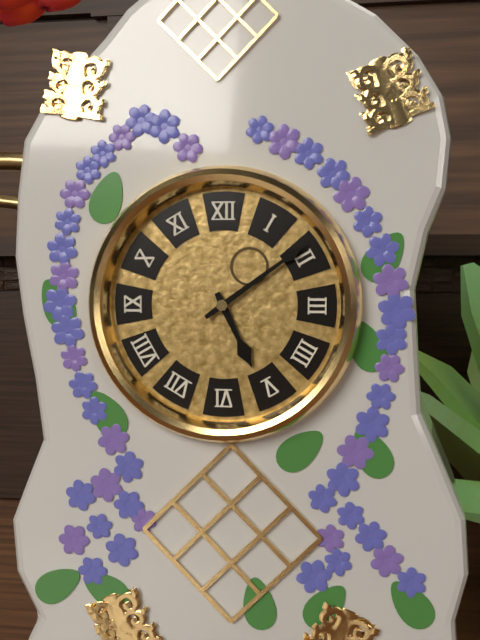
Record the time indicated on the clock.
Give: 5:09
